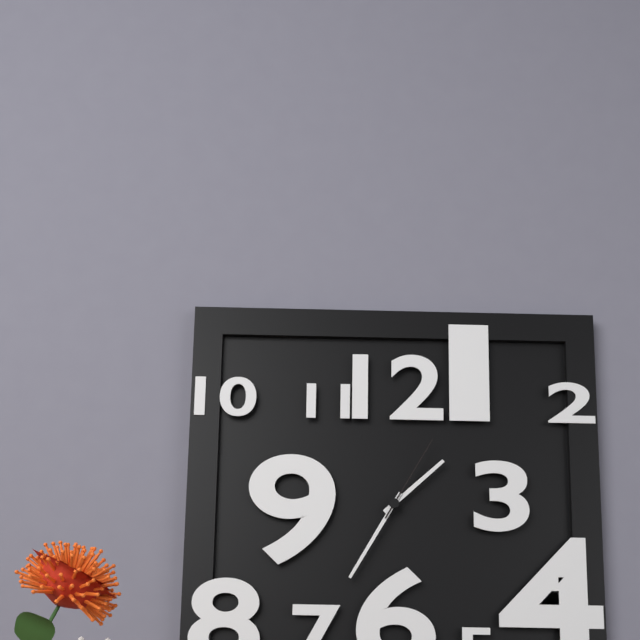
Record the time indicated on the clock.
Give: 1:35:05
